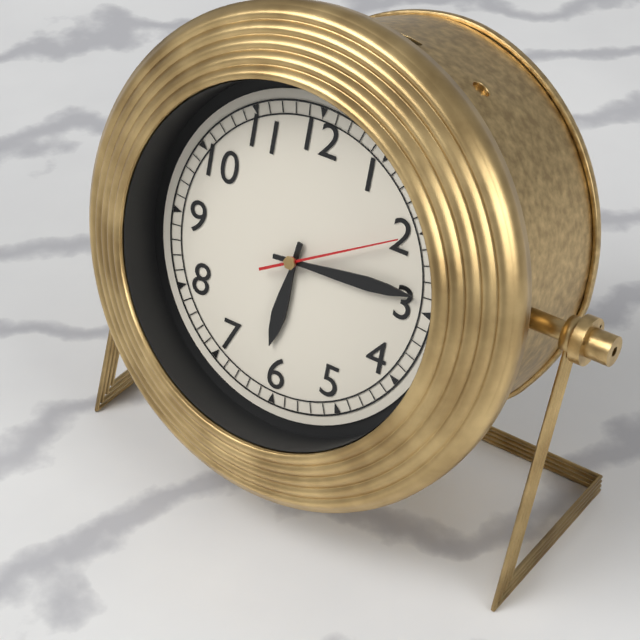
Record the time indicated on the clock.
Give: 6:14:10
